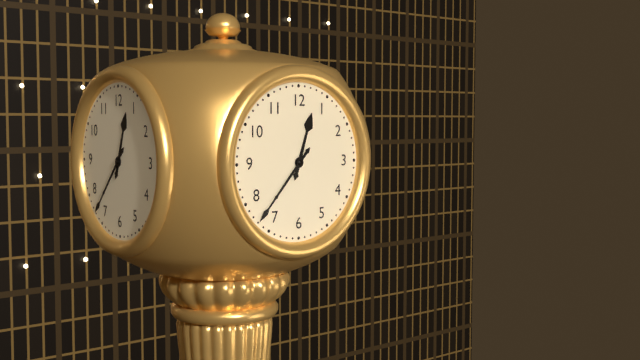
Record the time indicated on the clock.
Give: 12:37
